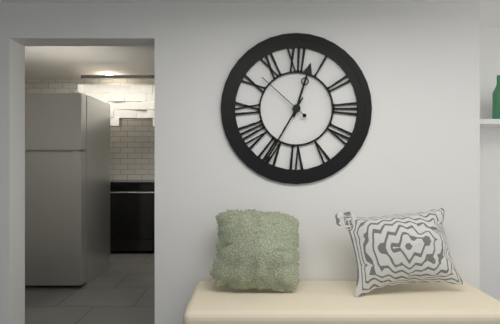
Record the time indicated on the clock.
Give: 12:35:52
